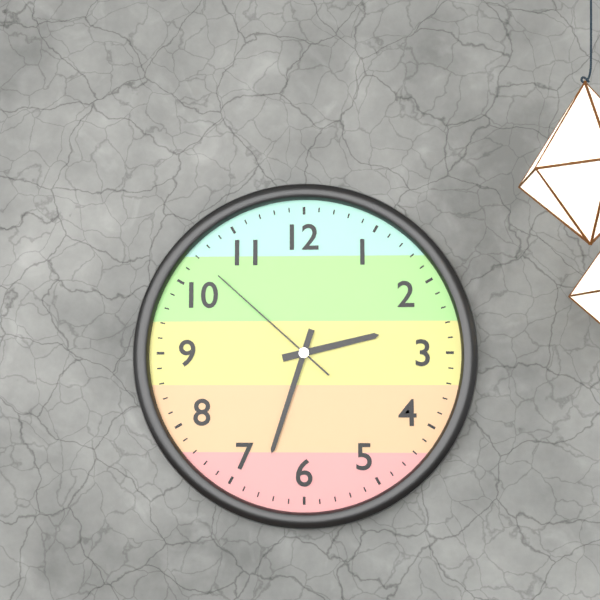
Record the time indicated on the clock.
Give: 2:33:52
